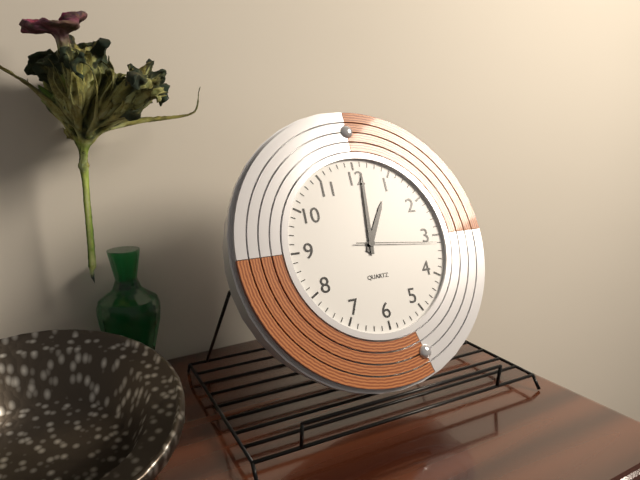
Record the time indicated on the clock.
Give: 1:01:16
